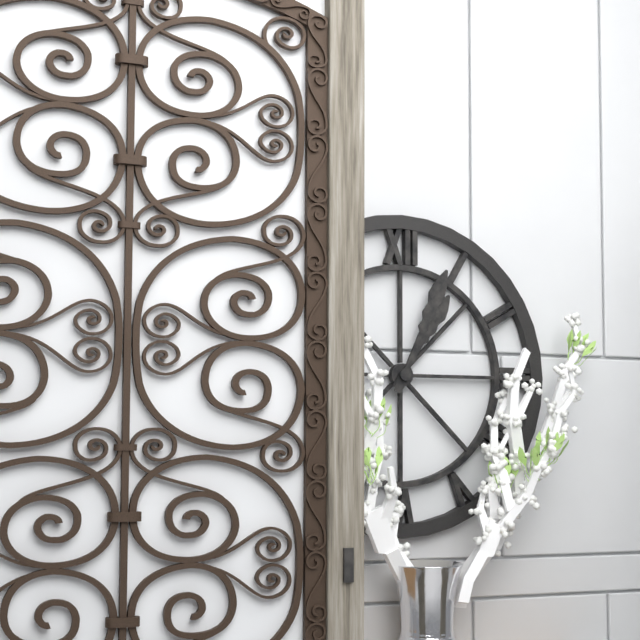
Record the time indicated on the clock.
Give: 1:04
